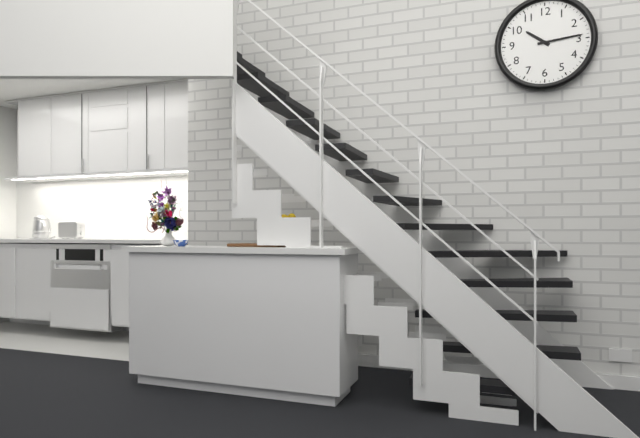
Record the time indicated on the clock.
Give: 10:14
